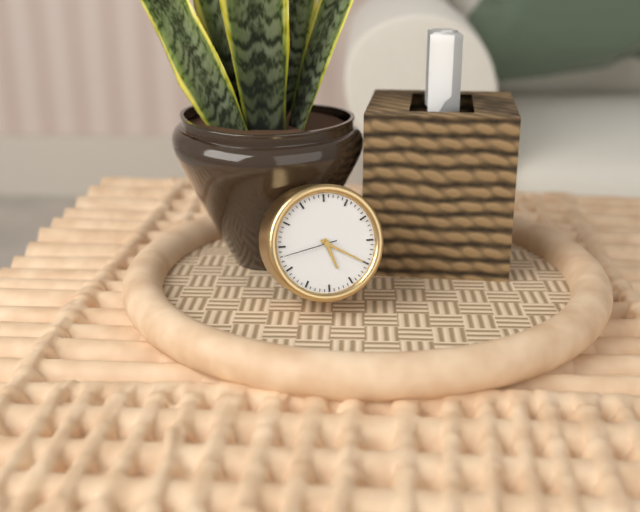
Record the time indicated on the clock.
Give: 5:20:43
